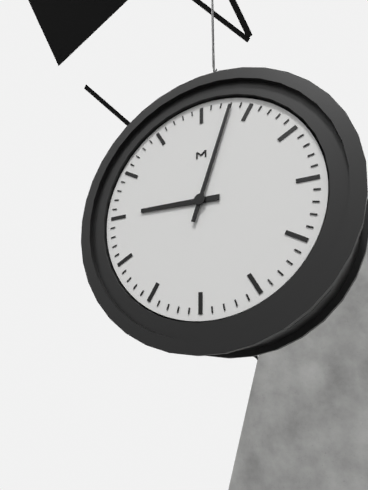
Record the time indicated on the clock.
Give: 9:03
